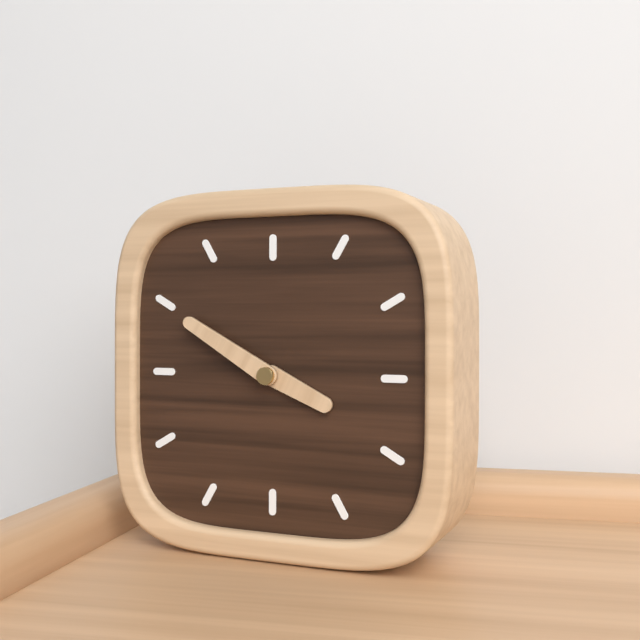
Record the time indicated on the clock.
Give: 3:50
